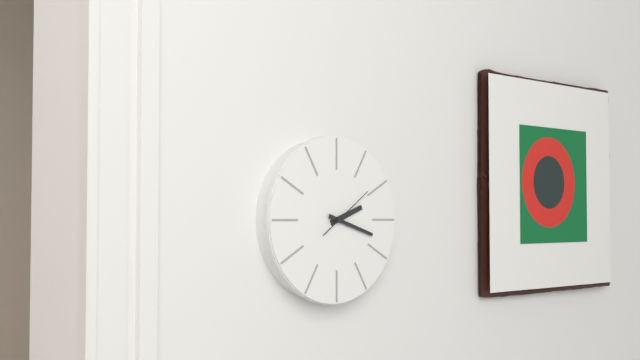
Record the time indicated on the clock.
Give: 2:18:09
